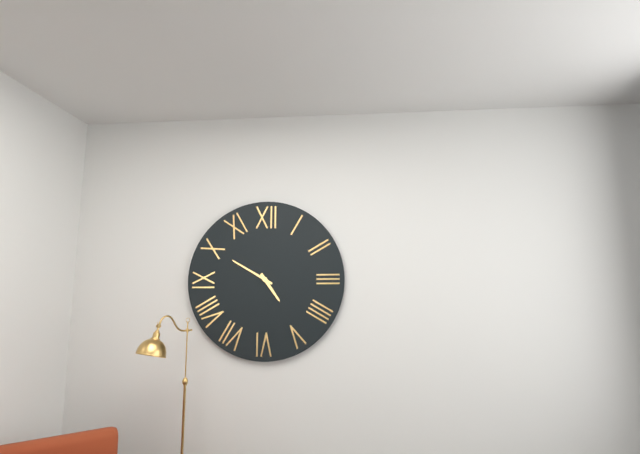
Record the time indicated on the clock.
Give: 4:50
